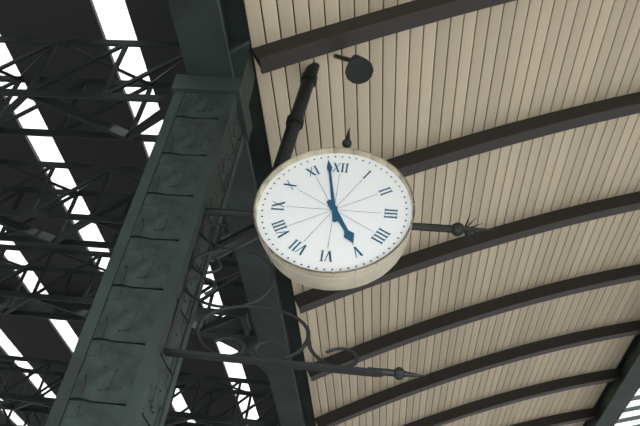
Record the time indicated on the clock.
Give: 4:58
